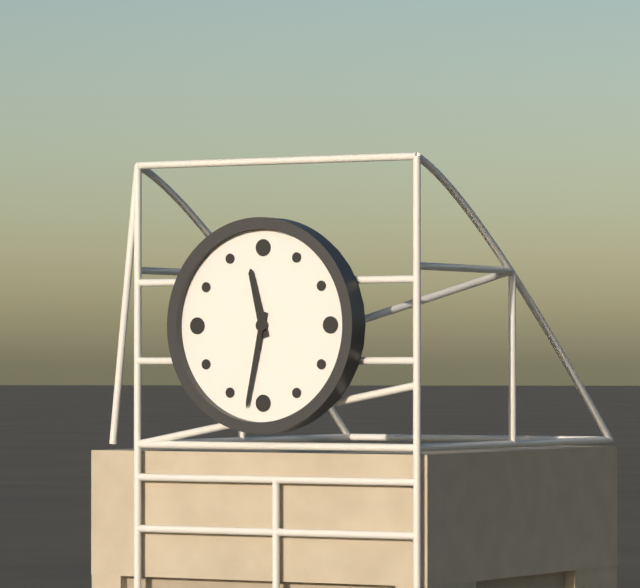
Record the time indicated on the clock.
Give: 11:32
